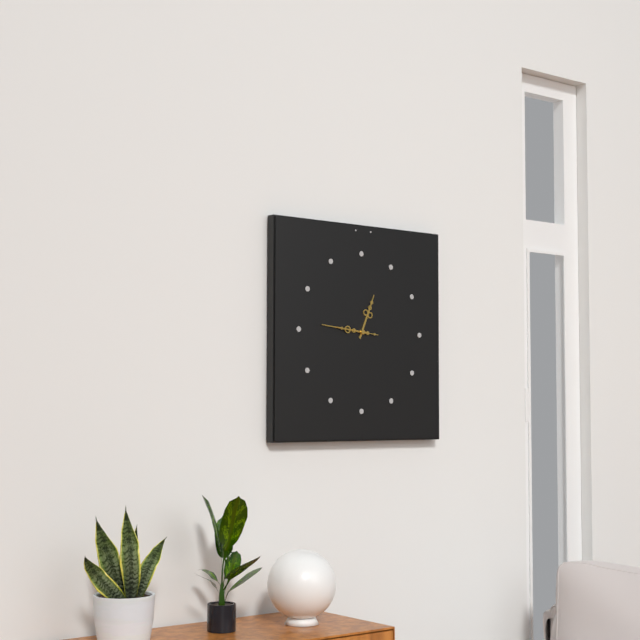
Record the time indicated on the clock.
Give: 12:46
